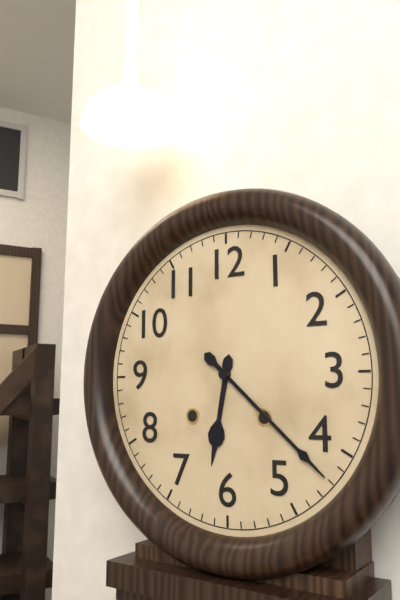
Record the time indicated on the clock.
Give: 6:22
